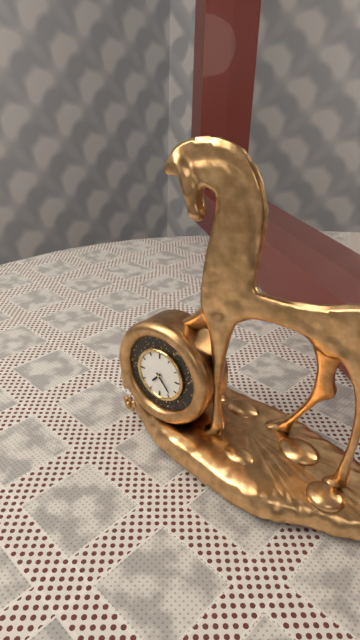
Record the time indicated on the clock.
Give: 7:23
